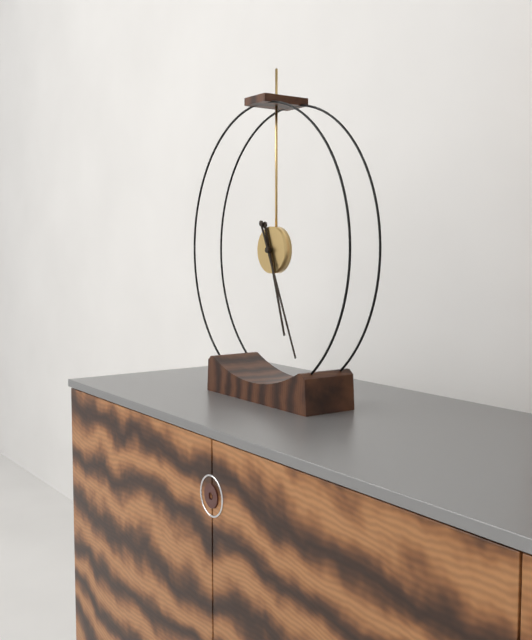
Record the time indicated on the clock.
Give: 5:26
